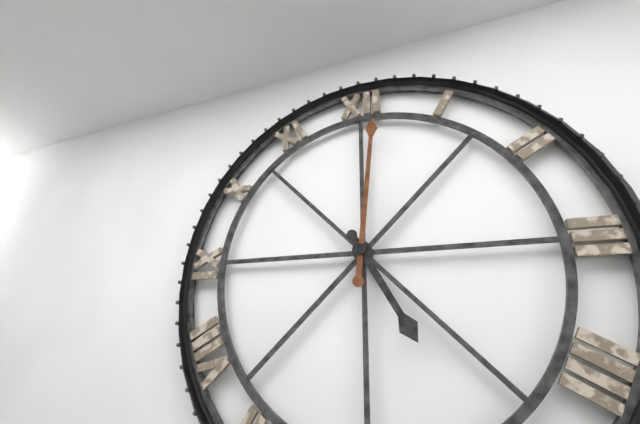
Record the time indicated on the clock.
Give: 5:01
